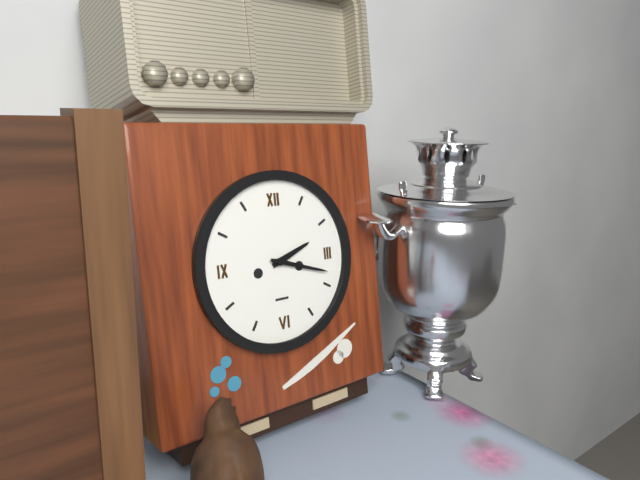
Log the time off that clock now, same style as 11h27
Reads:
2h18
